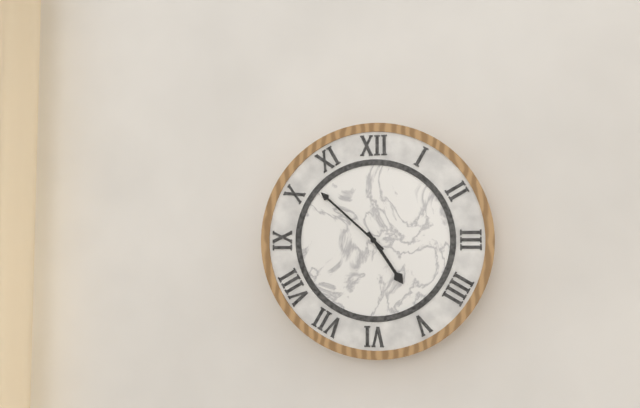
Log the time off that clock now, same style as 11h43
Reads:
4h52
